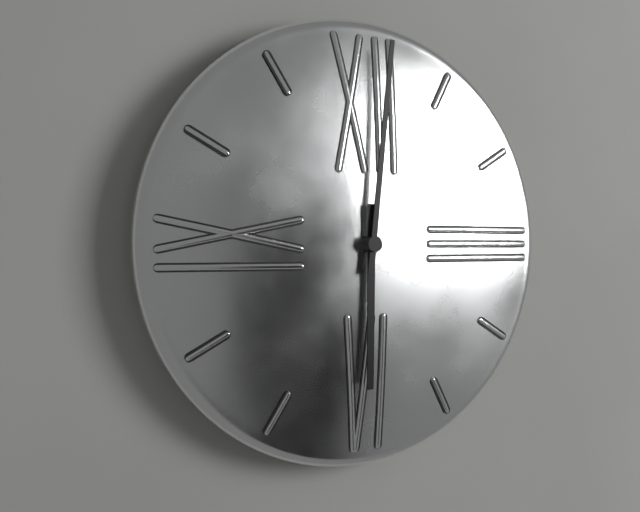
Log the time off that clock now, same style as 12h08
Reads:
6h01
